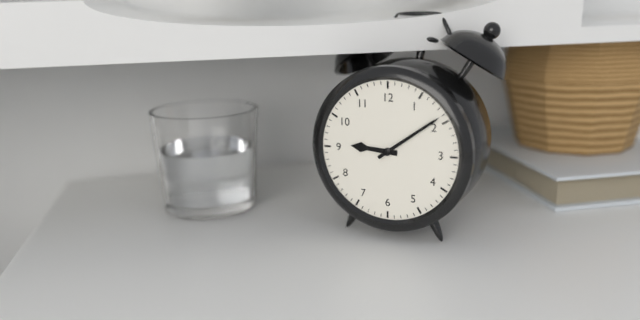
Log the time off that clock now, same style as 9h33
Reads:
9h09
